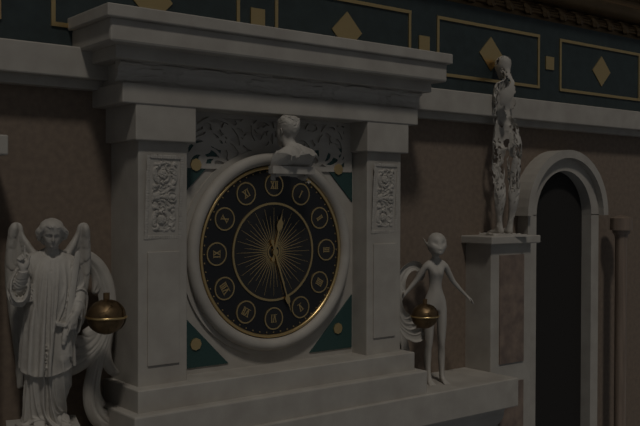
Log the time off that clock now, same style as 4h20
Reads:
12h27
